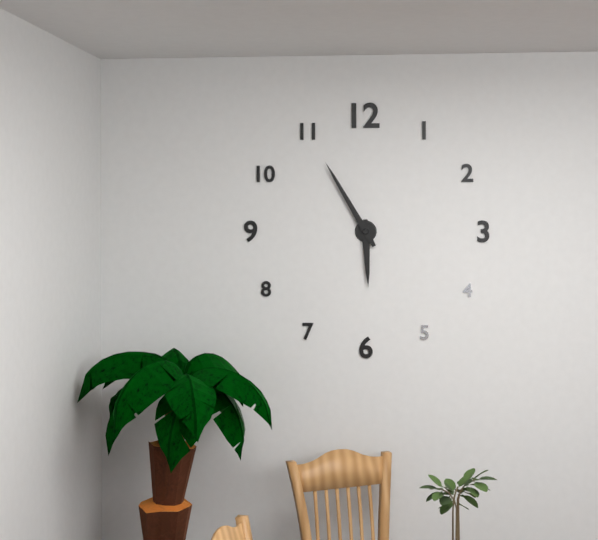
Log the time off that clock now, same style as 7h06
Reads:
5h55
